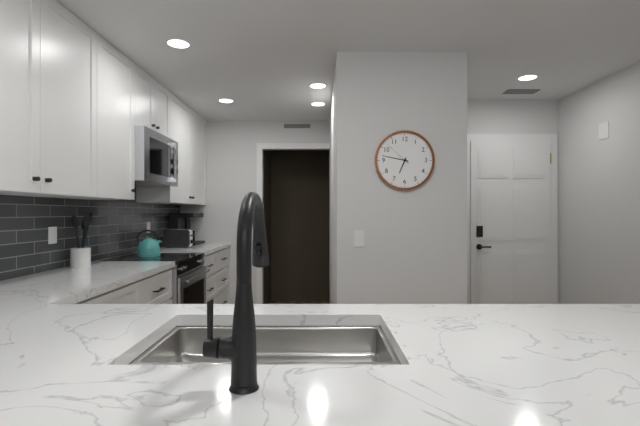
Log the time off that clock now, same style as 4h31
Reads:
6h47
